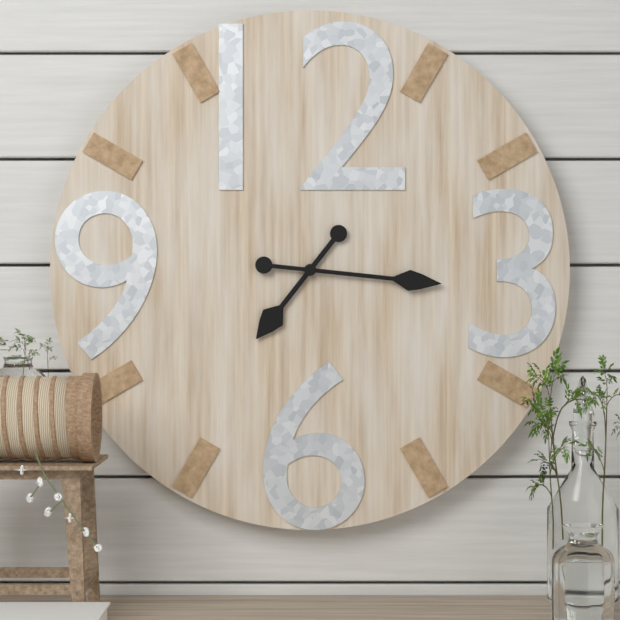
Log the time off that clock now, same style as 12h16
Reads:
7h16
